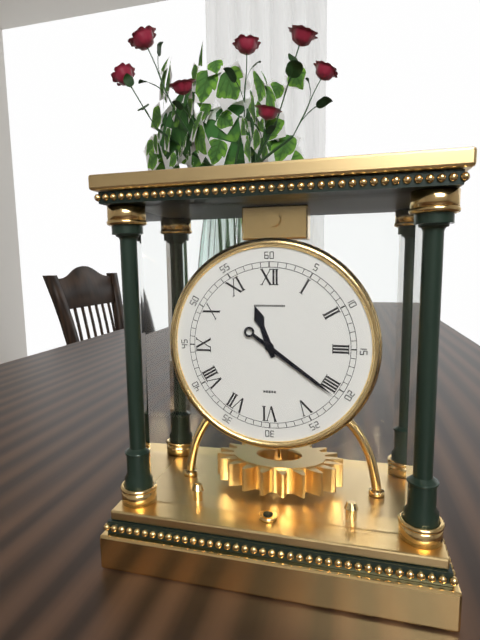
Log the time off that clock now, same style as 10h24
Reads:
11h21
